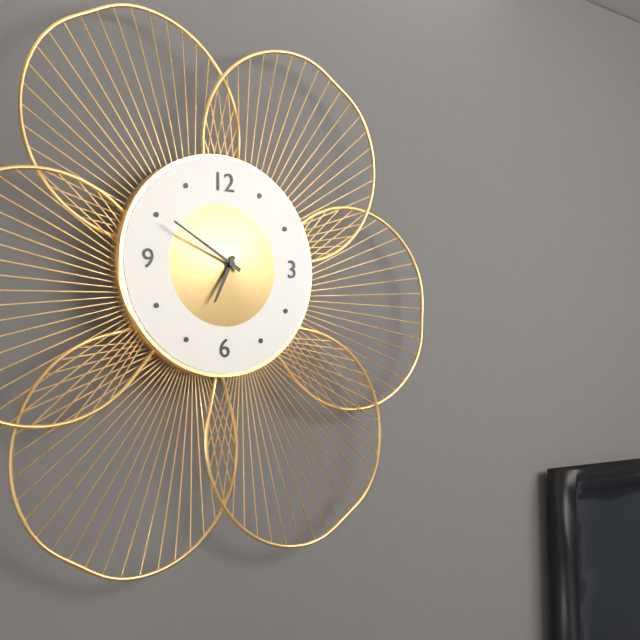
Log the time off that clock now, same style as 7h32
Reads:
6h50
